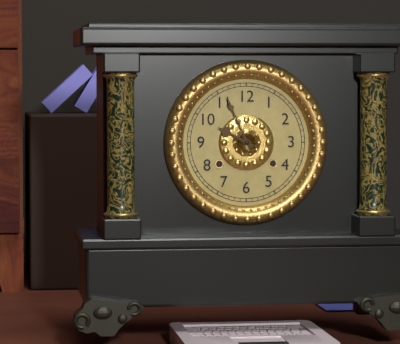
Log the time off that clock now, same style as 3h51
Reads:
9h56
